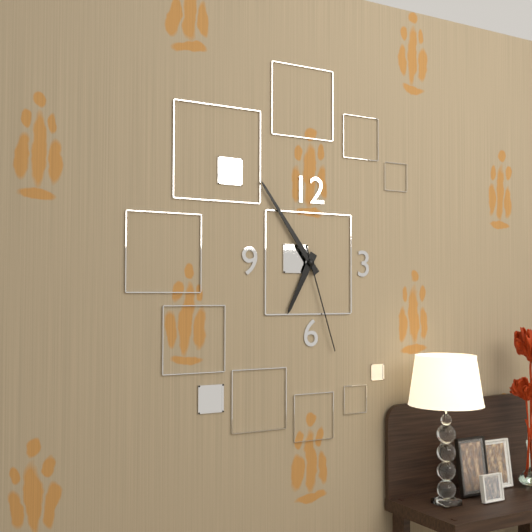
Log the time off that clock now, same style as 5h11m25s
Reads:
6h54m27s
